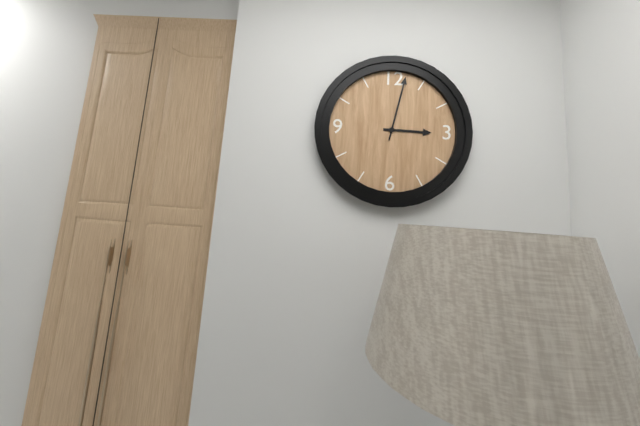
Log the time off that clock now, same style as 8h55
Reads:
3h02
